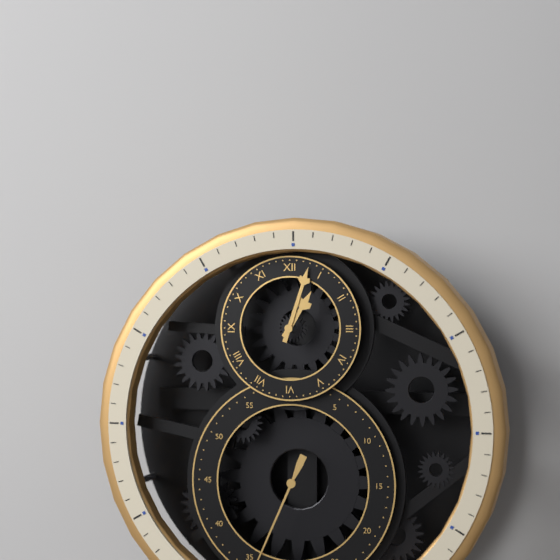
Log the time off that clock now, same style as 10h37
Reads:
1h03
